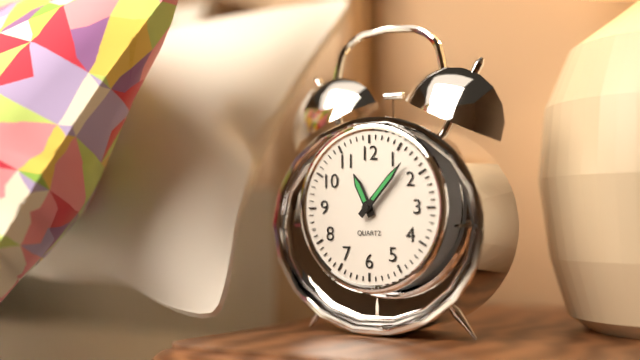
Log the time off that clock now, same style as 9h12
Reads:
11h07
